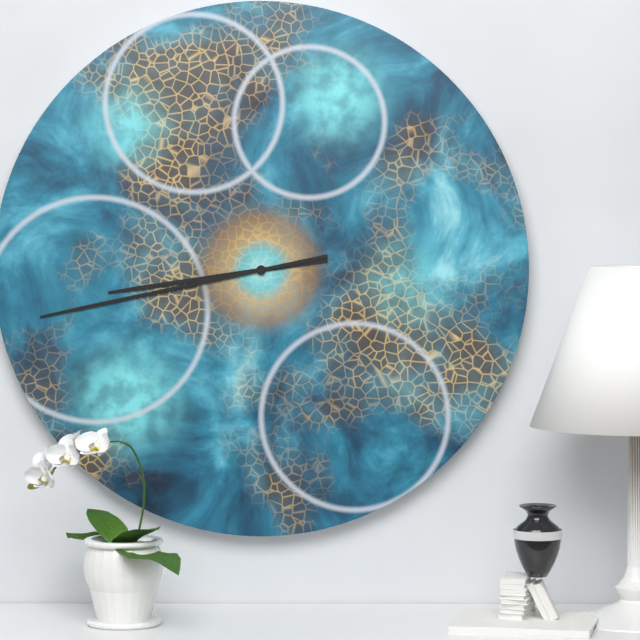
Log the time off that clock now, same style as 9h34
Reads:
8h43
